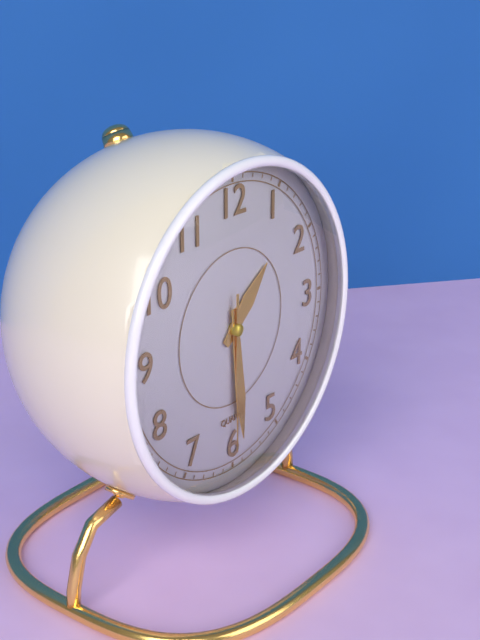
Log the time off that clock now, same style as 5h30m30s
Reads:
1h29m30s
